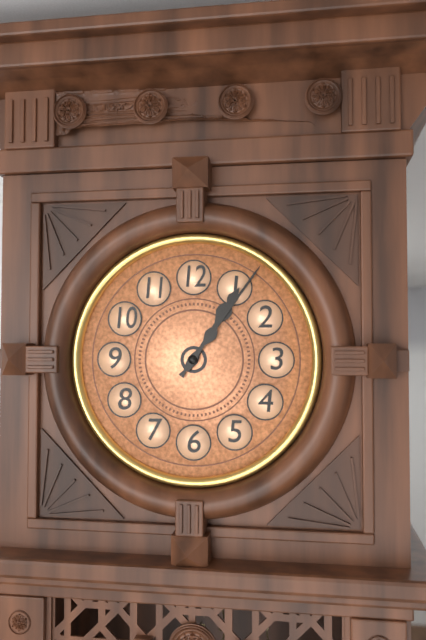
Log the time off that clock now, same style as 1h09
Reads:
1h06
